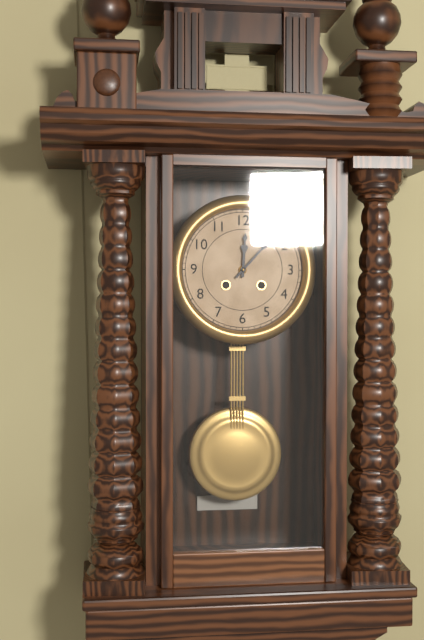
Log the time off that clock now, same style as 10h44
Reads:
12h07
